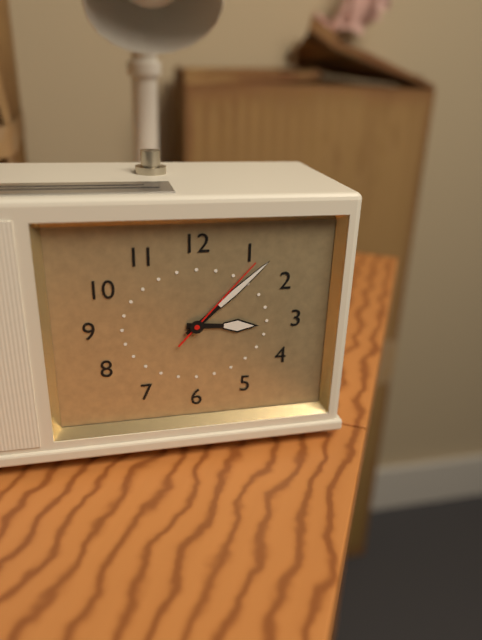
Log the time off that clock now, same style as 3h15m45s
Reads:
3h08m07s
